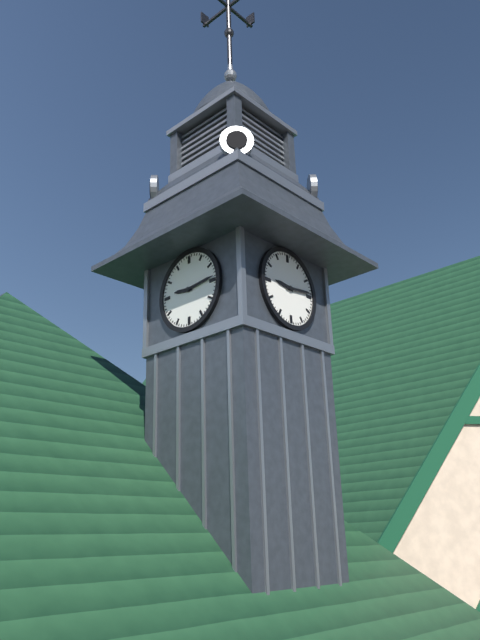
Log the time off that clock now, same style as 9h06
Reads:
9h14
